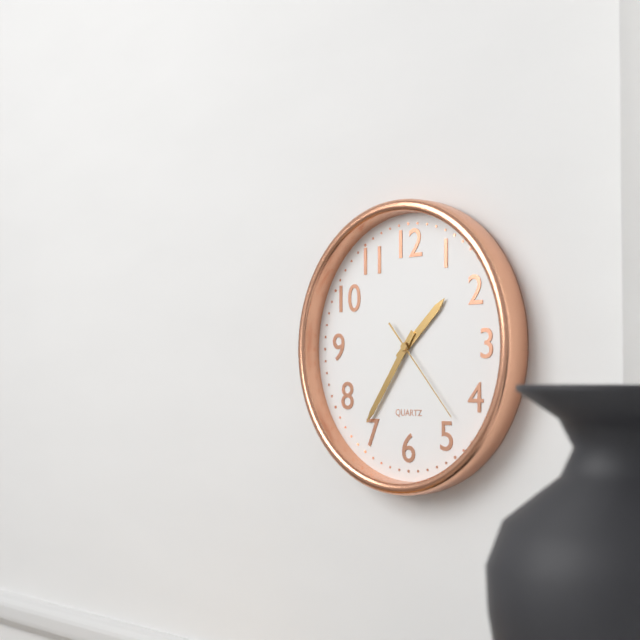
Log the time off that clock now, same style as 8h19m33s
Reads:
1h36m23s
